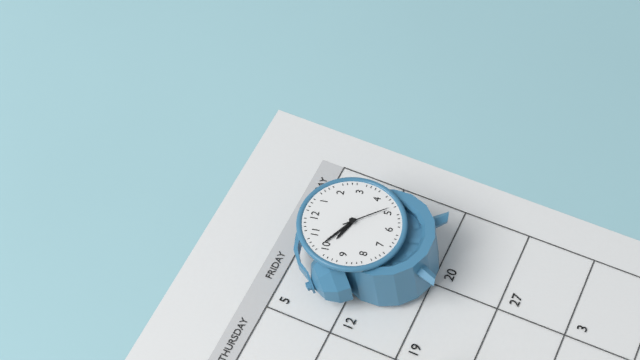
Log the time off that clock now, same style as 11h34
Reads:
9h51
